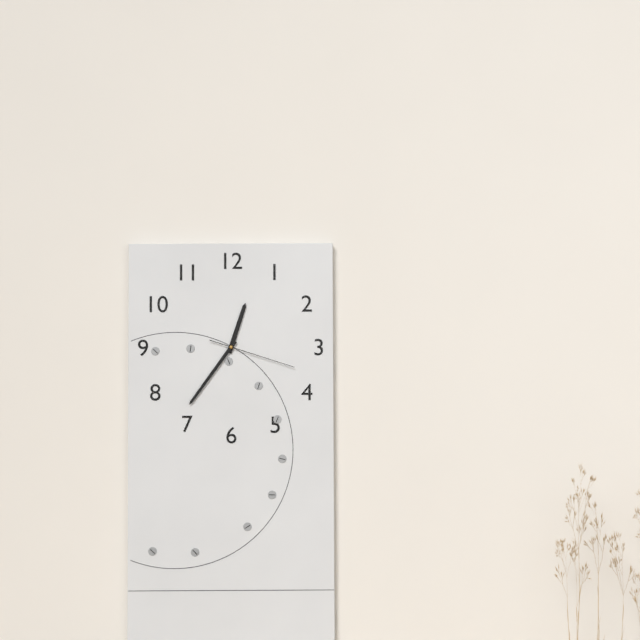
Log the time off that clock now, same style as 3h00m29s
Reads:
12h36m18s
